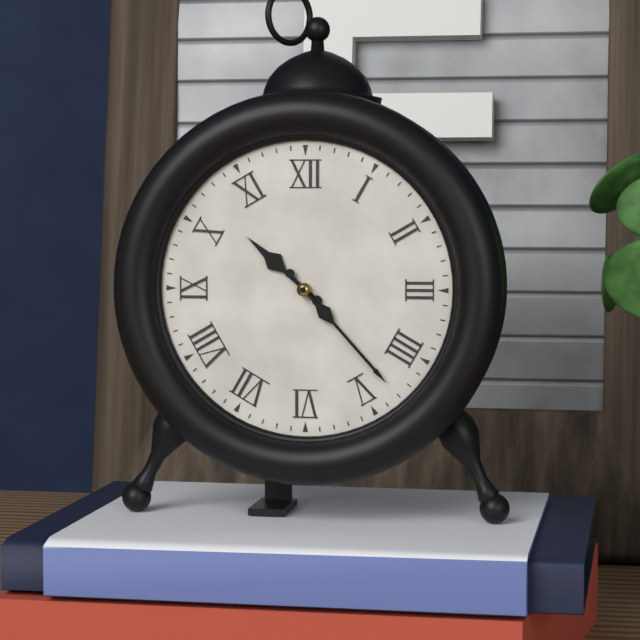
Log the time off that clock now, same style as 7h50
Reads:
10h23
